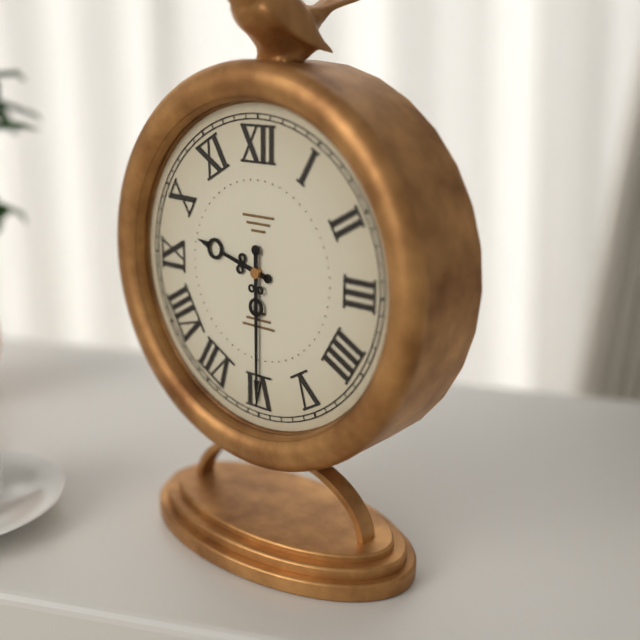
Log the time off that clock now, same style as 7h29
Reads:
9h30
